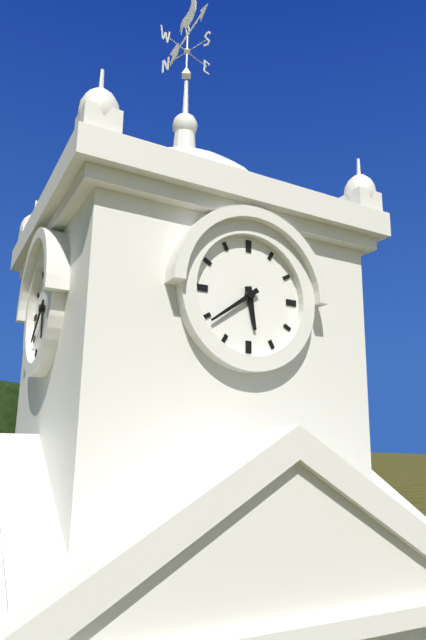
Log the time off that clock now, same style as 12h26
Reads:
5h39
